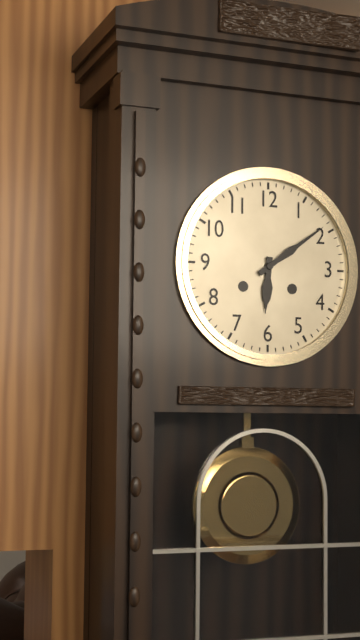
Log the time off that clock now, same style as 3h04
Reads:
6h09
